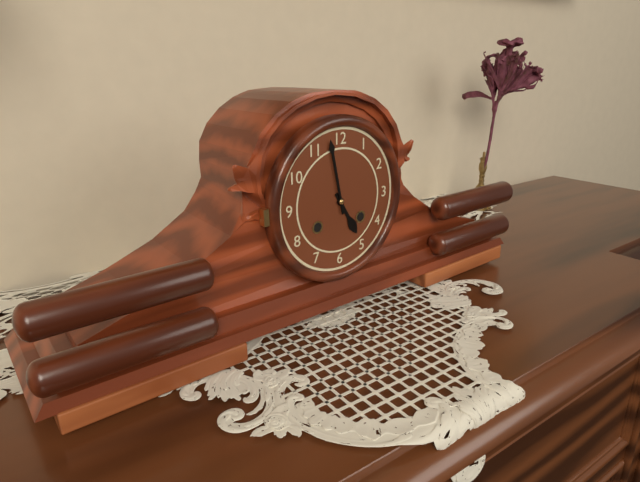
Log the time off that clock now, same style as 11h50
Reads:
4h58
